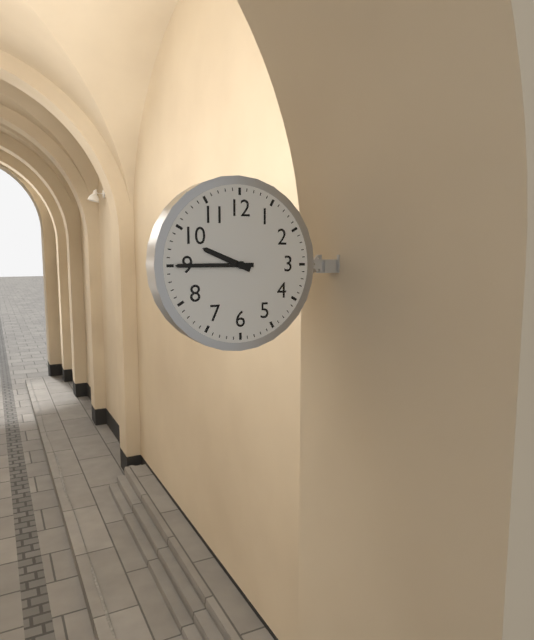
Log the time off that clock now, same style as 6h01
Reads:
9h45
